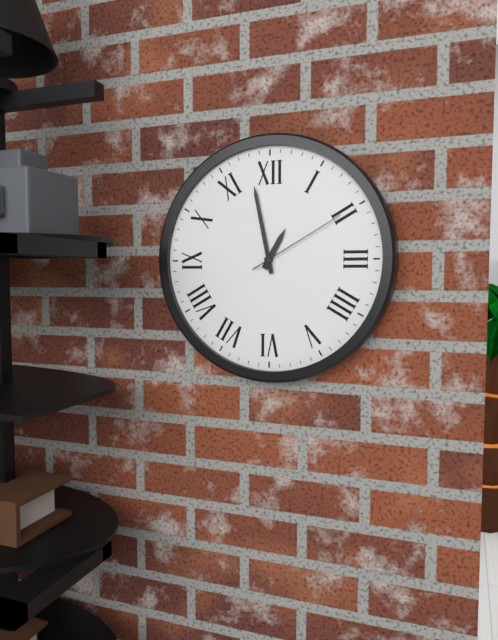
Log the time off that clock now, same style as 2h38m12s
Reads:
12h58m10s
